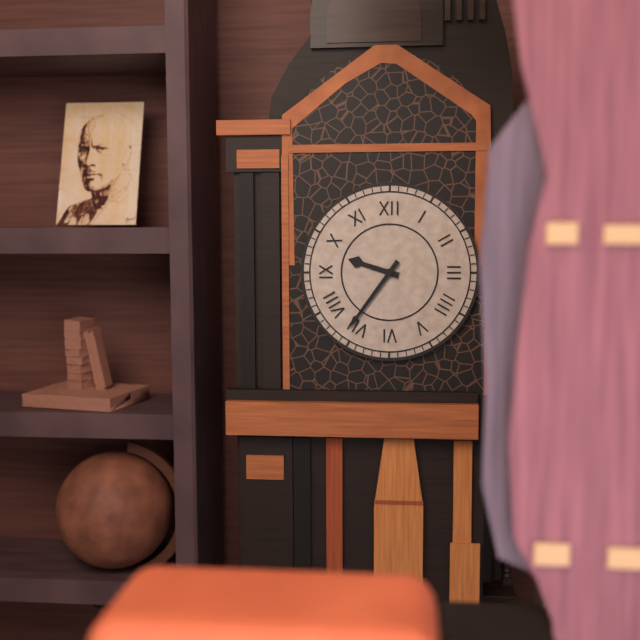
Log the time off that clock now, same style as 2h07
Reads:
9h36
